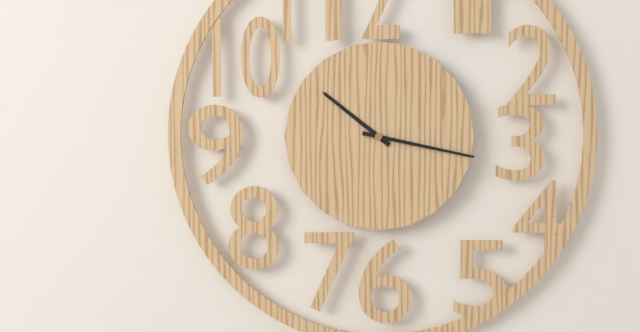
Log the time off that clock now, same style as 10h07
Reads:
10h17
